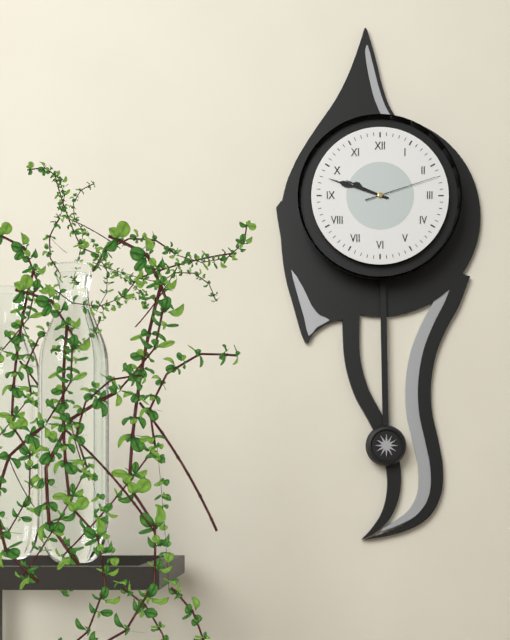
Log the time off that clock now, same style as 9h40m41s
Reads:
9h48m12s
